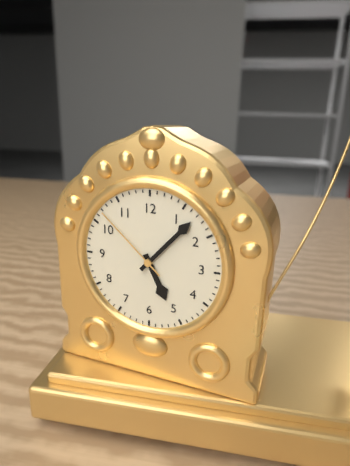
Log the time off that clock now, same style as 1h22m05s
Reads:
5h07m52s
